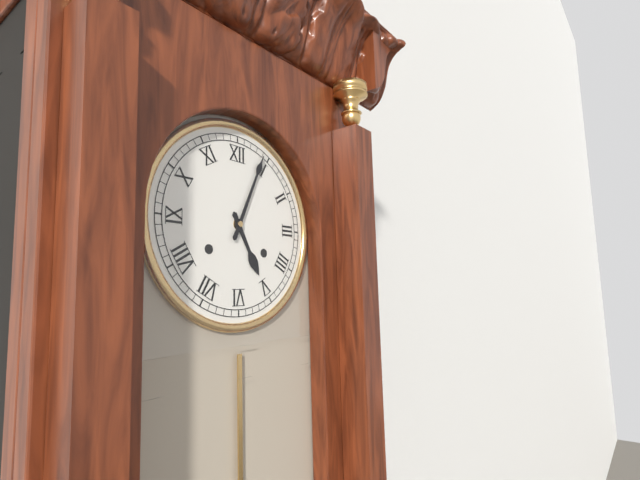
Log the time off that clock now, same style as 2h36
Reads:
5h04
